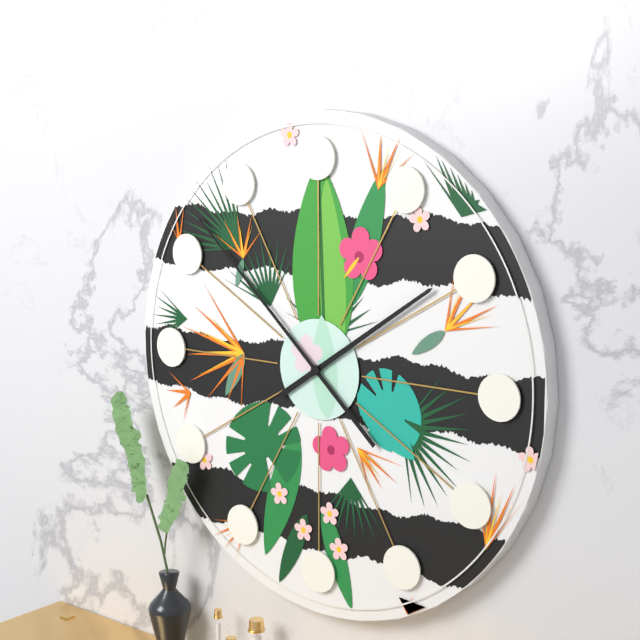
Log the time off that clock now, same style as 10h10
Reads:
1h52
